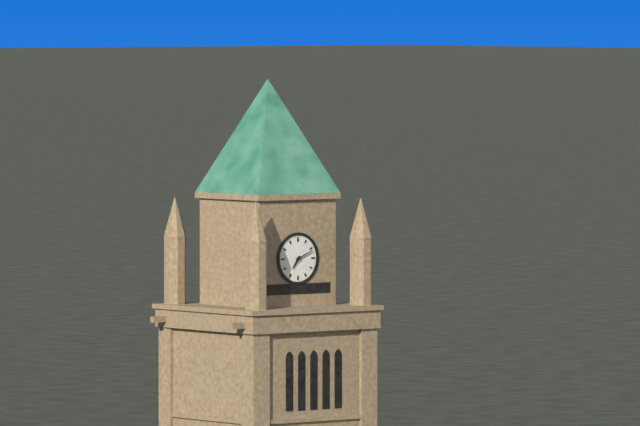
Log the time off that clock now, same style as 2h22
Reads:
7h11
